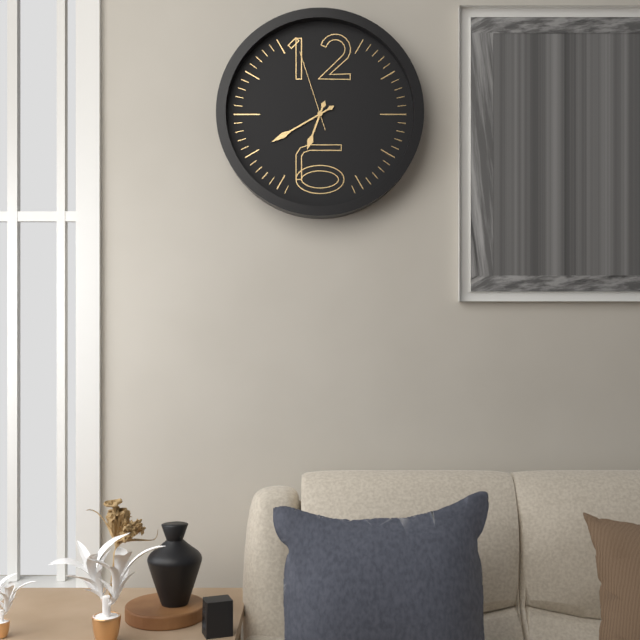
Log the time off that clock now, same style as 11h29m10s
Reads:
6h40m57s
